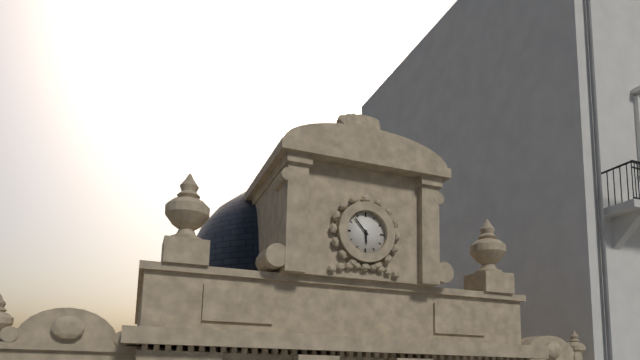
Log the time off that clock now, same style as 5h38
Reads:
5h53
